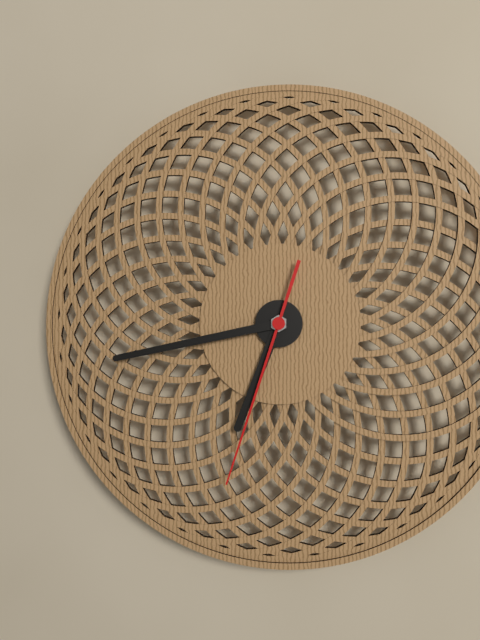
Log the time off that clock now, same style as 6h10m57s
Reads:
6h43m33s
